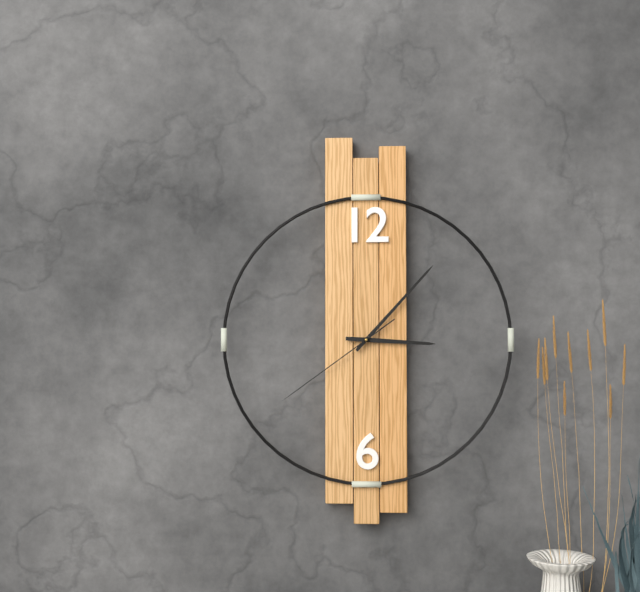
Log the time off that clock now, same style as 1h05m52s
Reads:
3h07m39s
